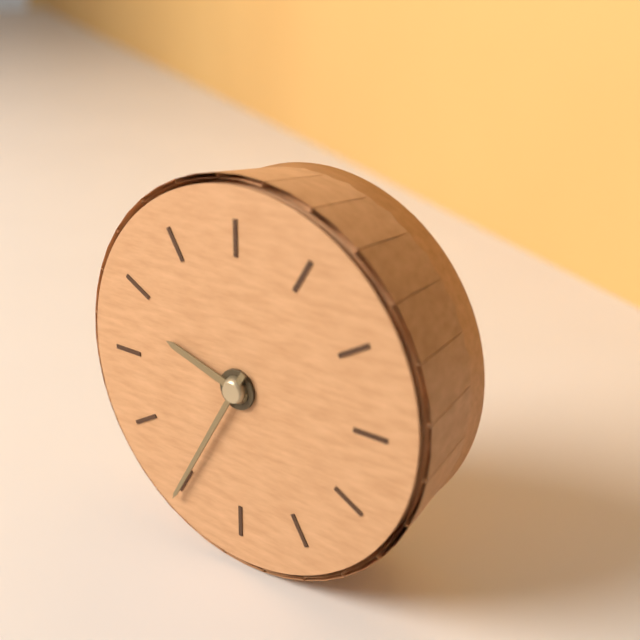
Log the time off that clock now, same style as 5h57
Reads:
9h35
